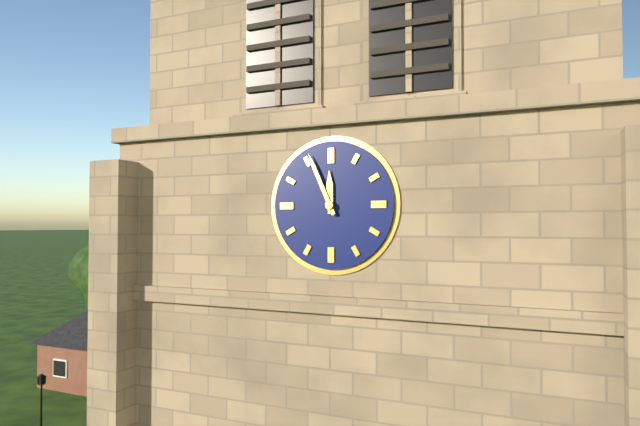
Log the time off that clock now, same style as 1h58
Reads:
11h56
